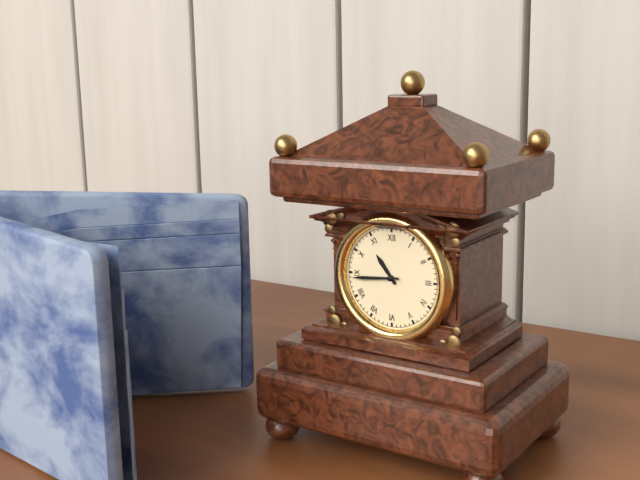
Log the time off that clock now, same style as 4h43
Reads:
10h44
